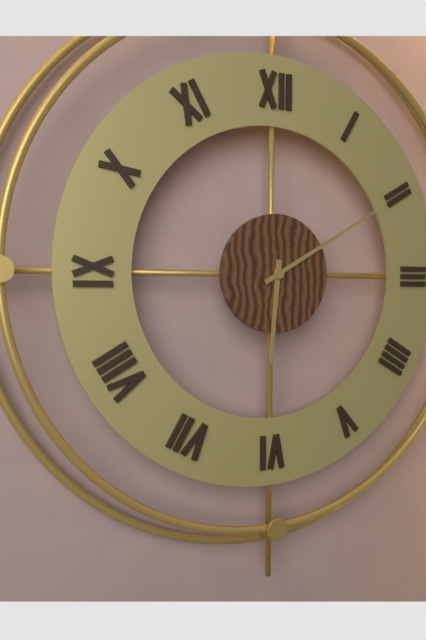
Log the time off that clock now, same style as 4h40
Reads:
6h10
